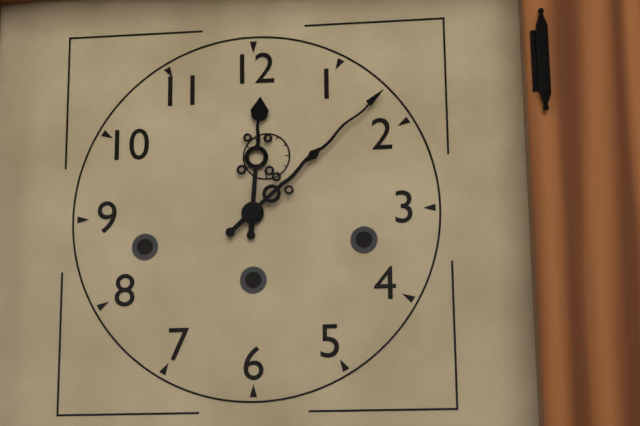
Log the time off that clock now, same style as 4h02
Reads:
12h08
